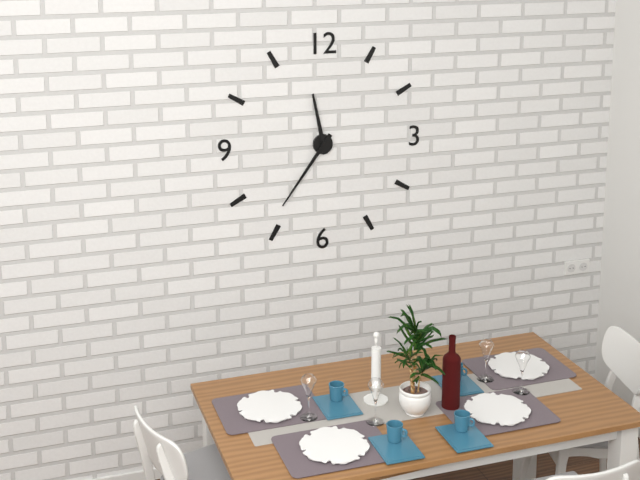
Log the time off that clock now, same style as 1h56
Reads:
11h36
